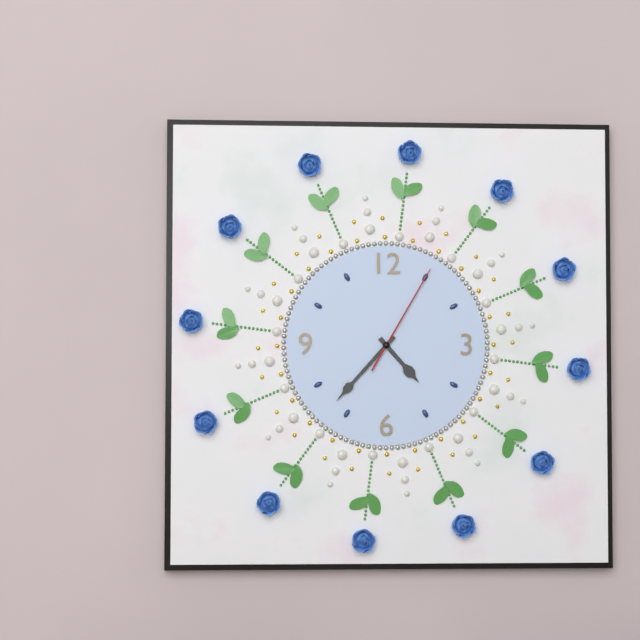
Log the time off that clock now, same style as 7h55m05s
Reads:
4h37m05s
